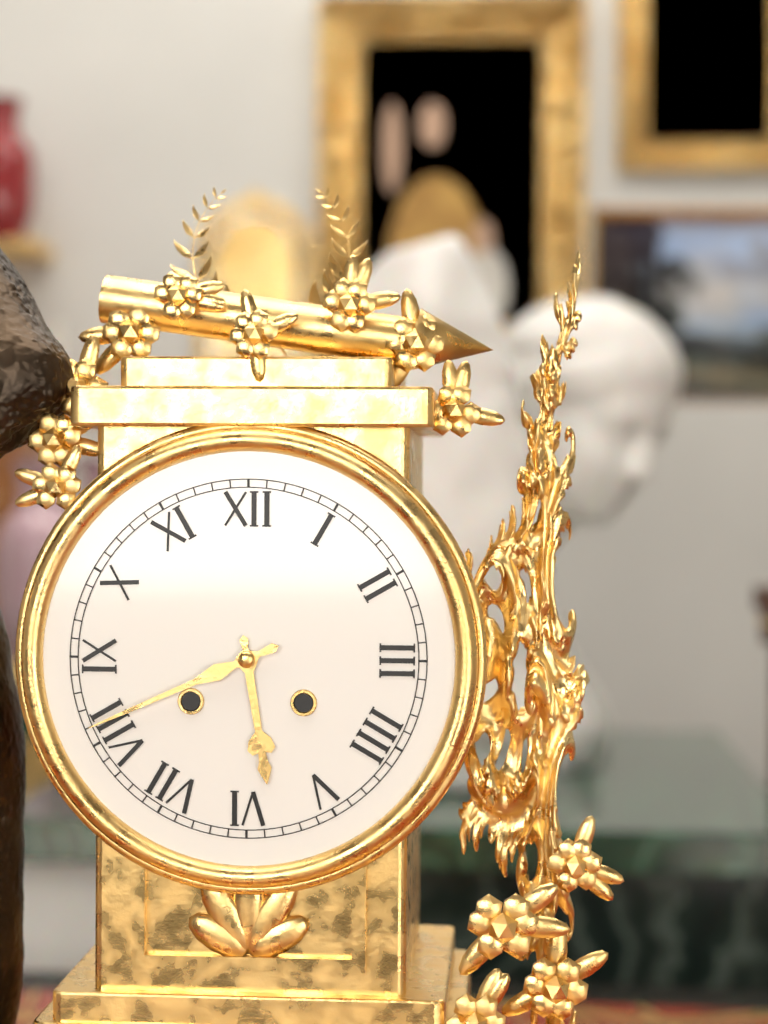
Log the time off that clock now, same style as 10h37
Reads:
5h41
